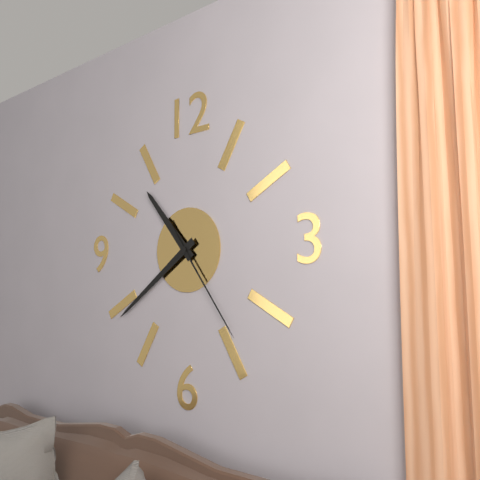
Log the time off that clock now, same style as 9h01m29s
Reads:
10h39m24s
